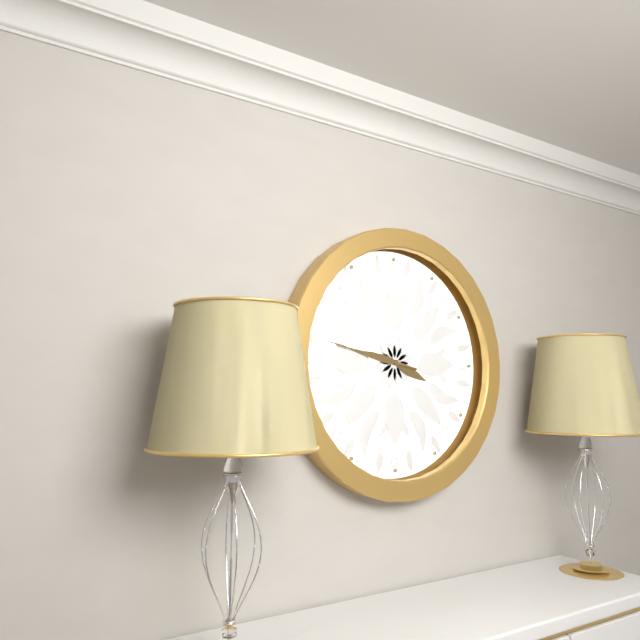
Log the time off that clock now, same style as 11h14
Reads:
3h47
